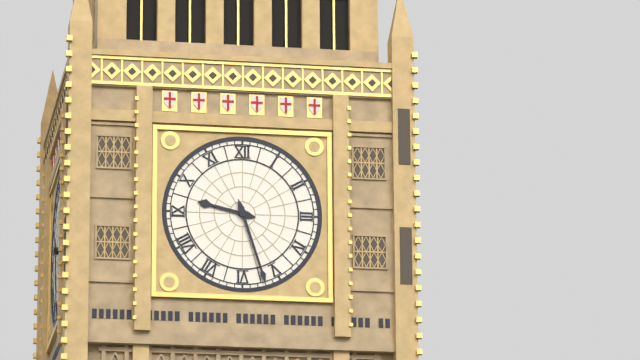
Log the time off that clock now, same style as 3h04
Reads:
9h27
